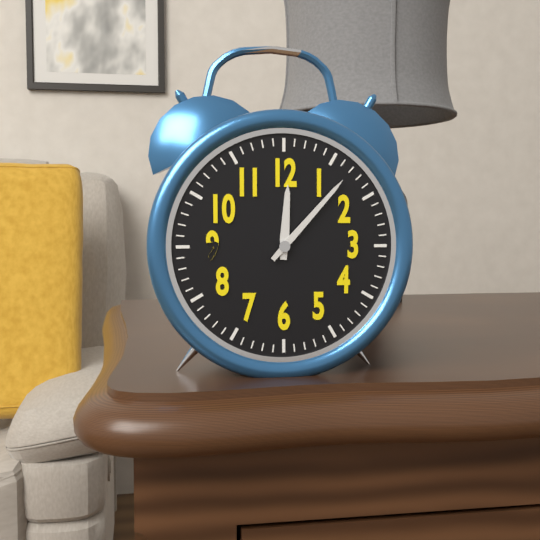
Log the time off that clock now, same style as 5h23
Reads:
12h07
